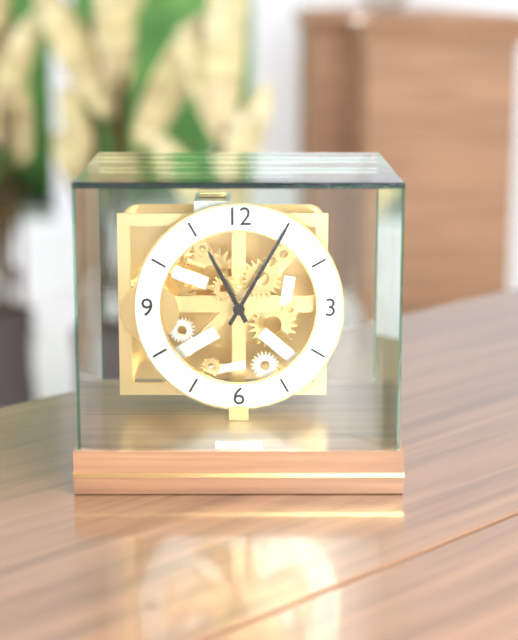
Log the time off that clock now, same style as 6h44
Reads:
11h05
